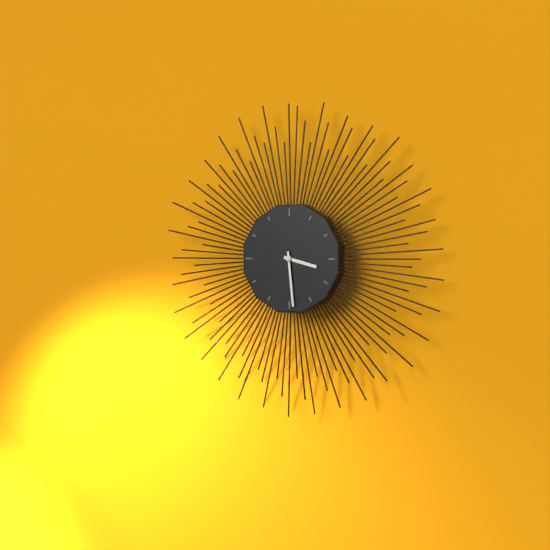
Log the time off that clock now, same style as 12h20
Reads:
3h29
